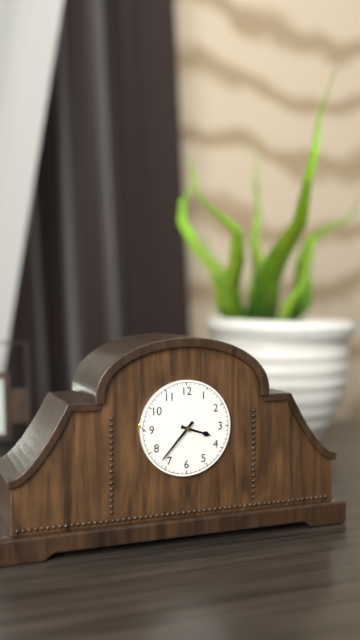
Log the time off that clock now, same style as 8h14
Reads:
3h37
